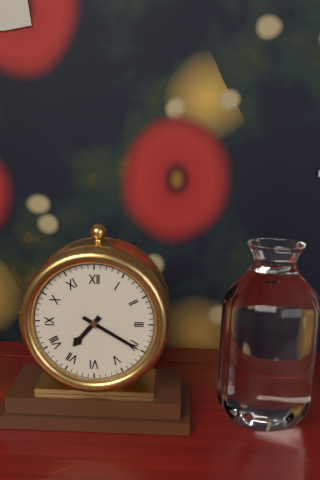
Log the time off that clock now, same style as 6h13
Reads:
7h20
